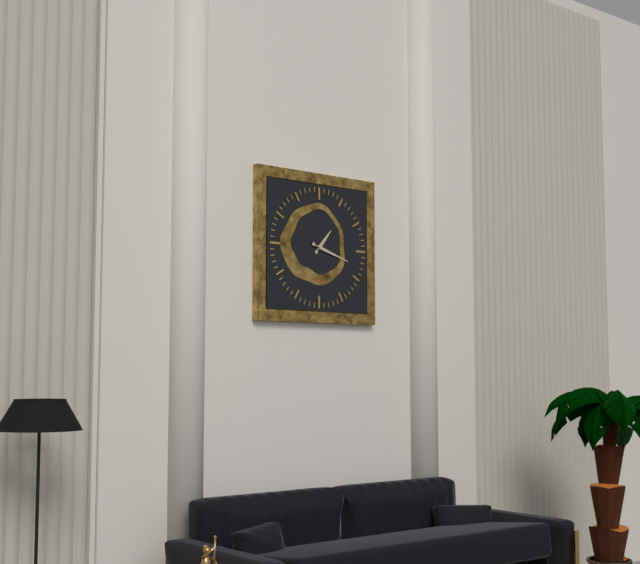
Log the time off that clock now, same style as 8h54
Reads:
1h18
